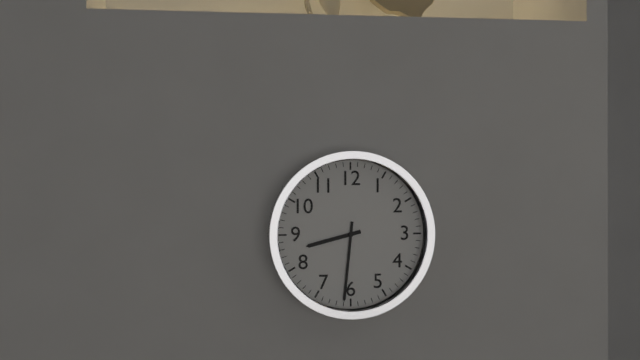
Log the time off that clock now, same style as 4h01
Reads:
8h31
